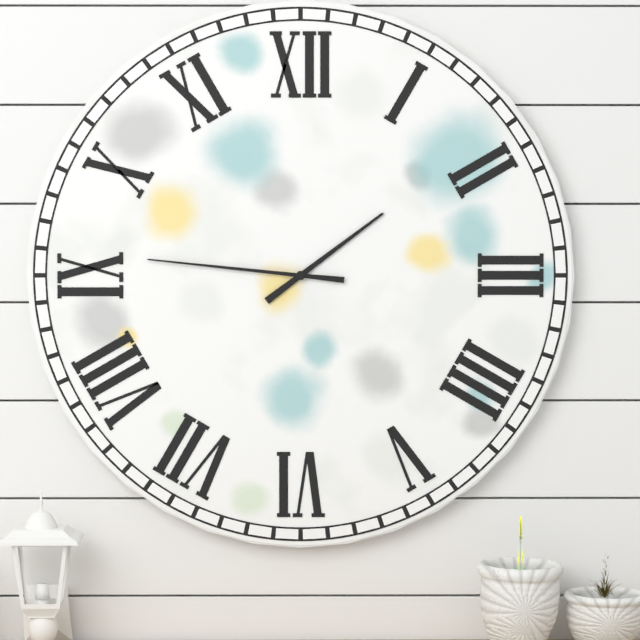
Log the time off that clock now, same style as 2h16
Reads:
1h46
